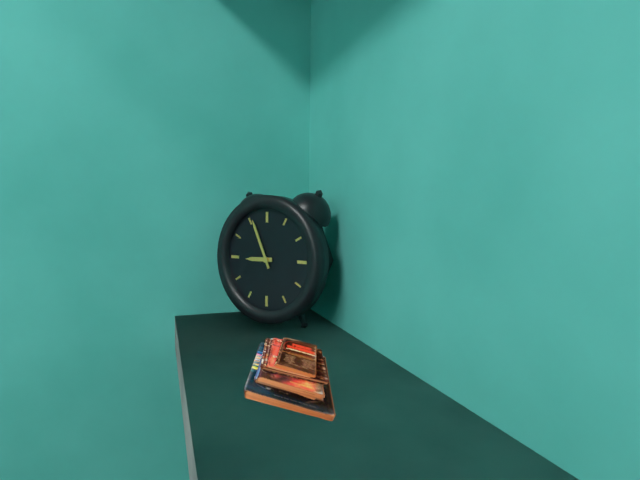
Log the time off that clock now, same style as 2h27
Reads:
8h56
